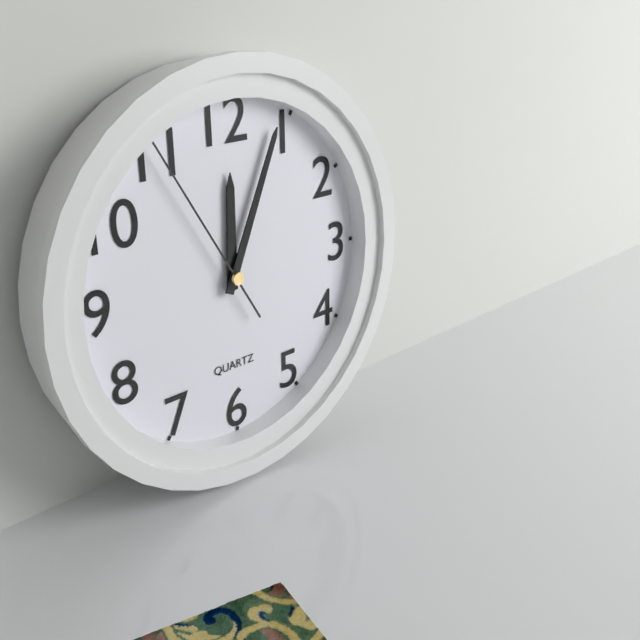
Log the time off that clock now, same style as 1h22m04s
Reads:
12h04m55s
